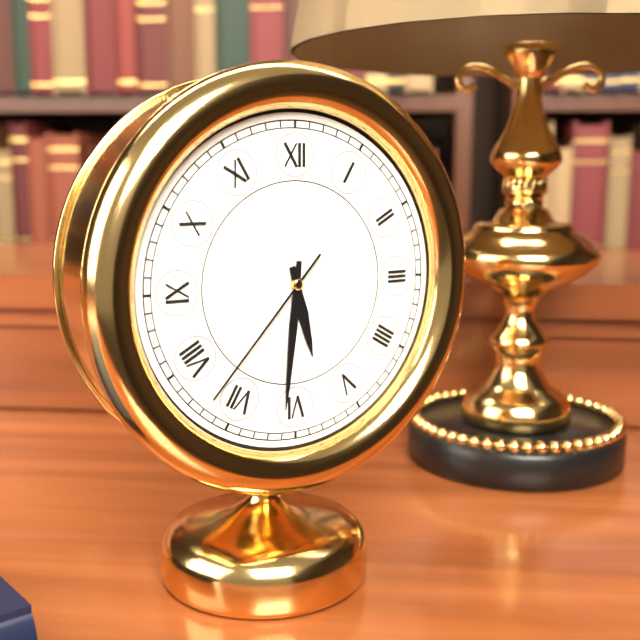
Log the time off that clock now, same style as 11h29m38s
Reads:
5h31m37s
